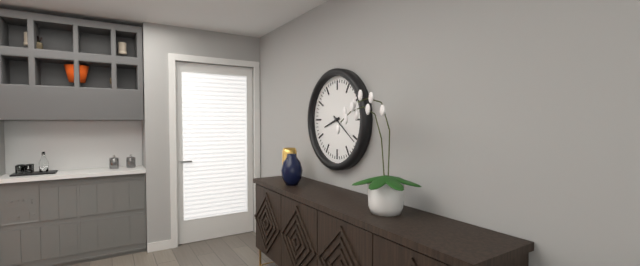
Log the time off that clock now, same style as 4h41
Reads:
8h21
